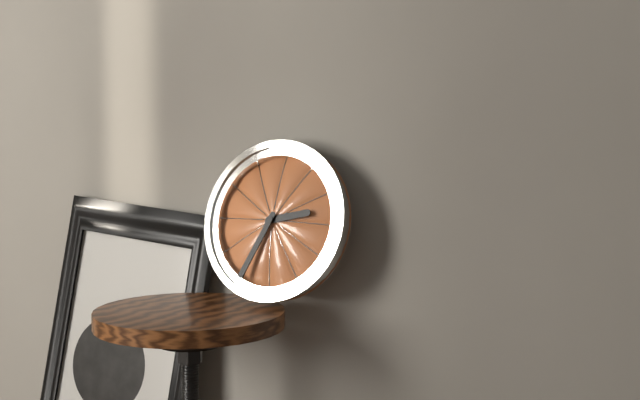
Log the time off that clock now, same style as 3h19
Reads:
2h34
